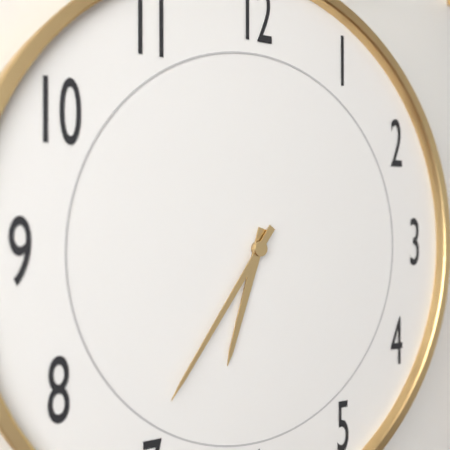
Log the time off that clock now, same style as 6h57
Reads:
6h36
